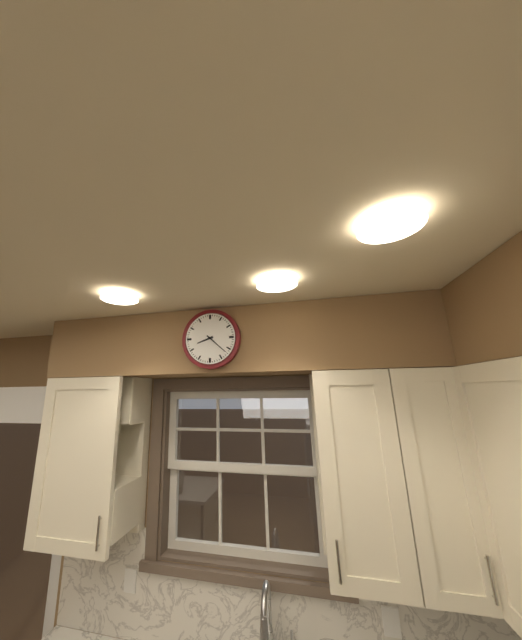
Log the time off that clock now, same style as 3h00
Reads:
8h22
